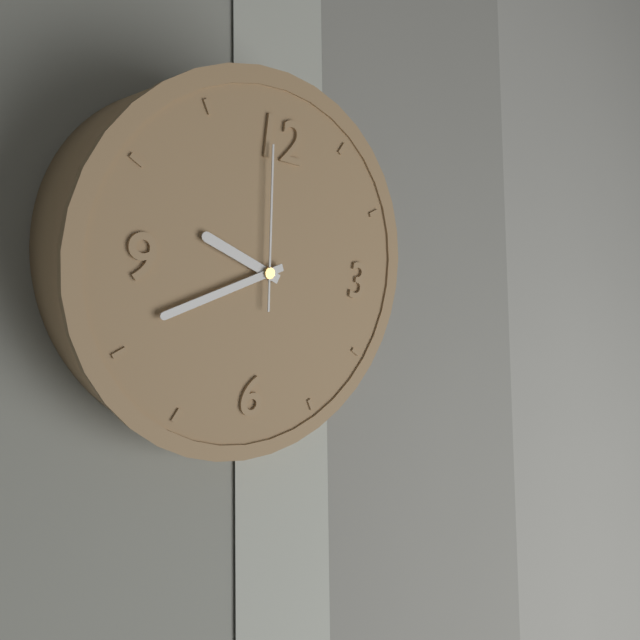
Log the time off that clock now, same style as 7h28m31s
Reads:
9h41m59s
